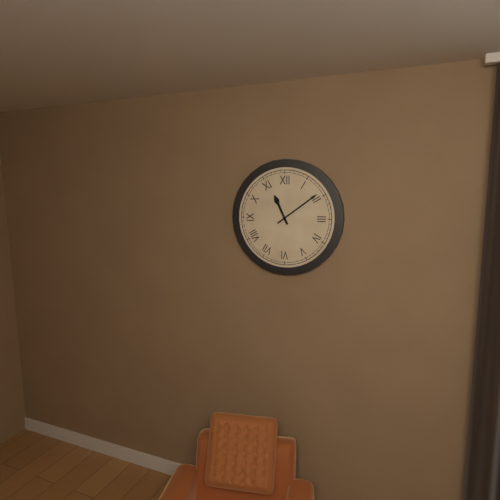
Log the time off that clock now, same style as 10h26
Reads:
11h09
